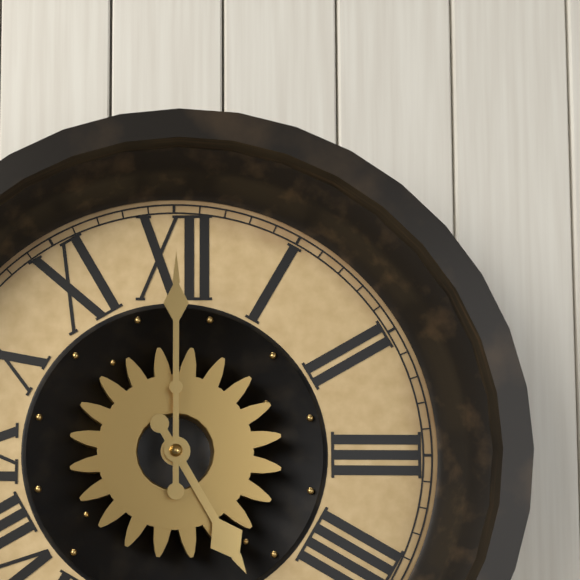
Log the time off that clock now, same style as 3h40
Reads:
5h00
